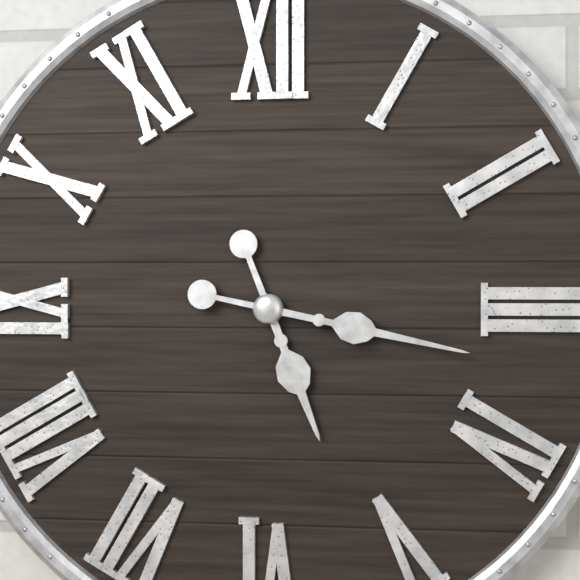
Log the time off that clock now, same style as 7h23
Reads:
5h17
